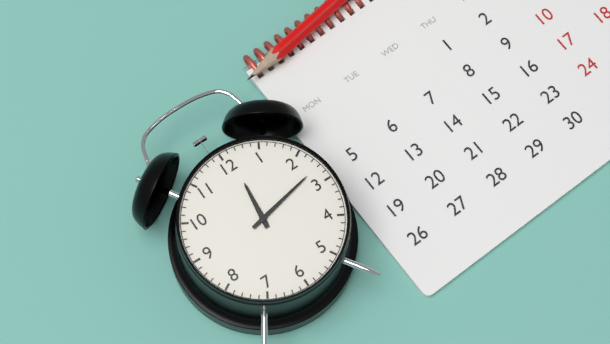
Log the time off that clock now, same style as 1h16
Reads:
12h13
